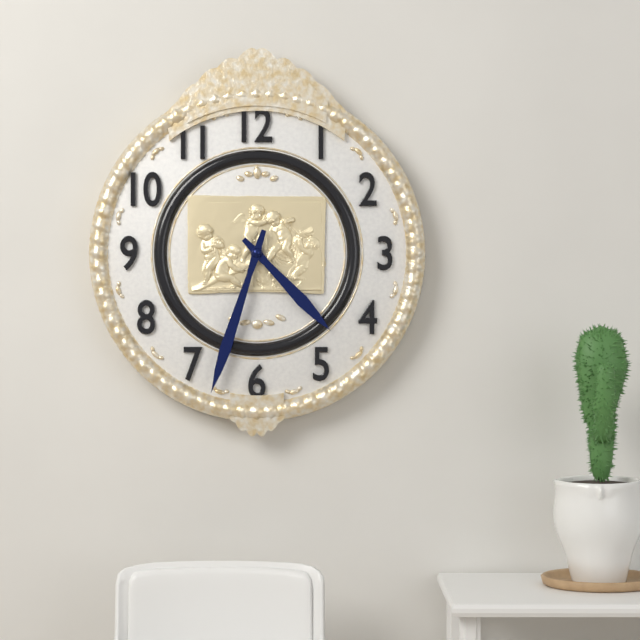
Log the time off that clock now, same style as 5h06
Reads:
4h33
